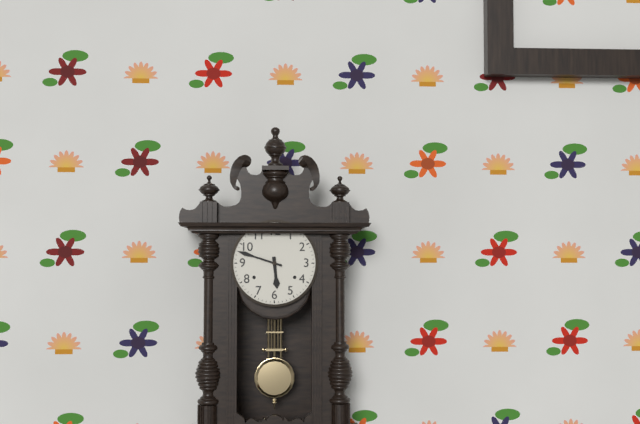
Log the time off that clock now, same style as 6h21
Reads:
5h48
